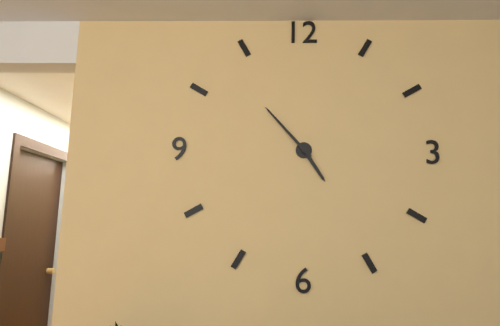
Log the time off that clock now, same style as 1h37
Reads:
4h53
